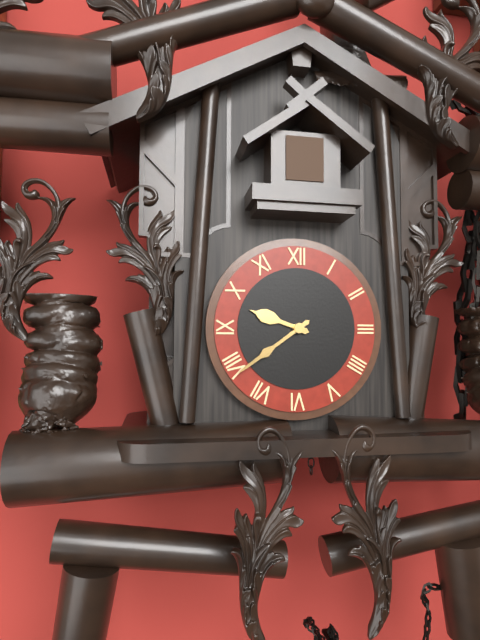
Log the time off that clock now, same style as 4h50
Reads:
9h39
